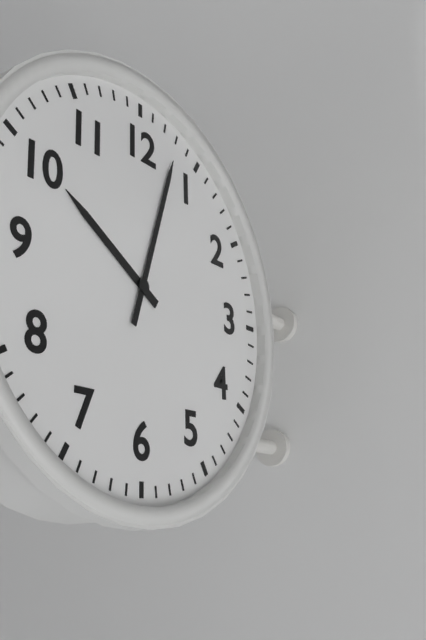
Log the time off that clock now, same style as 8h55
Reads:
10h03
